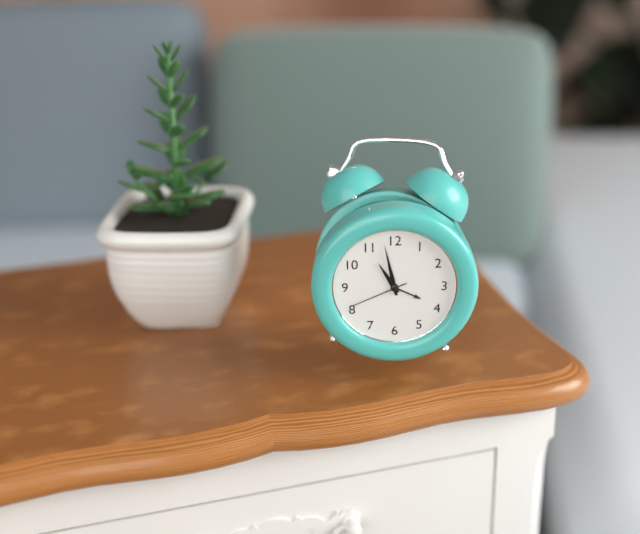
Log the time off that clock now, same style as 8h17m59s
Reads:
10h58m41s
